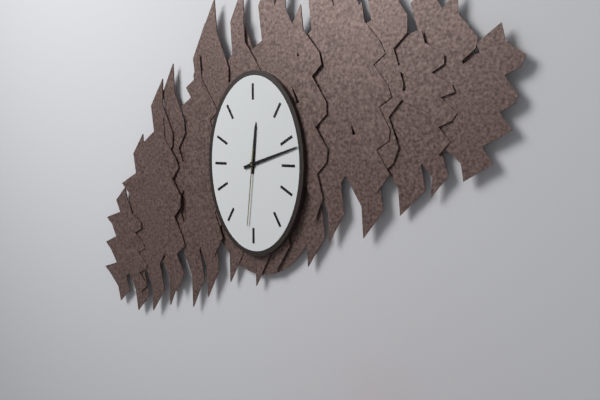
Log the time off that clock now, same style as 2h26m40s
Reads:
12h12m31s
